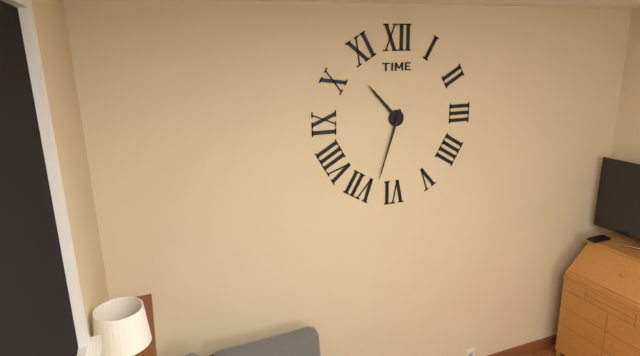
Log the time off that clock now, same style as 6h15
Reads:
10h33
